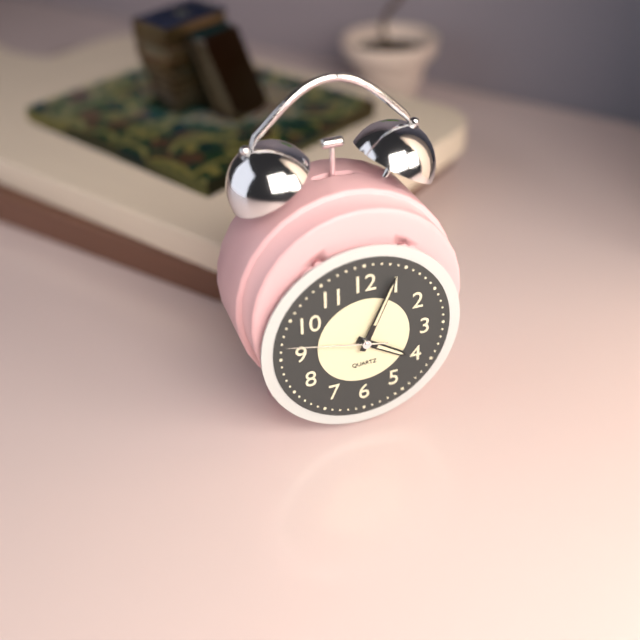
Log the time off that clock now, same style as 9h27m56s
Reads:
4h04m47s
